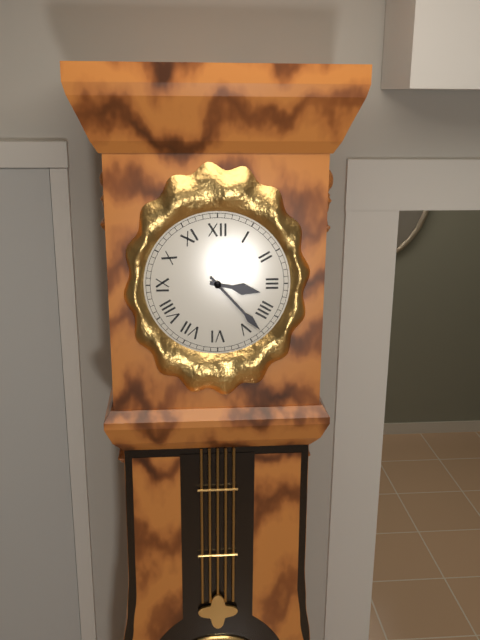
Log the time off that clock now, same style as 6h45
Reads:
3h23
